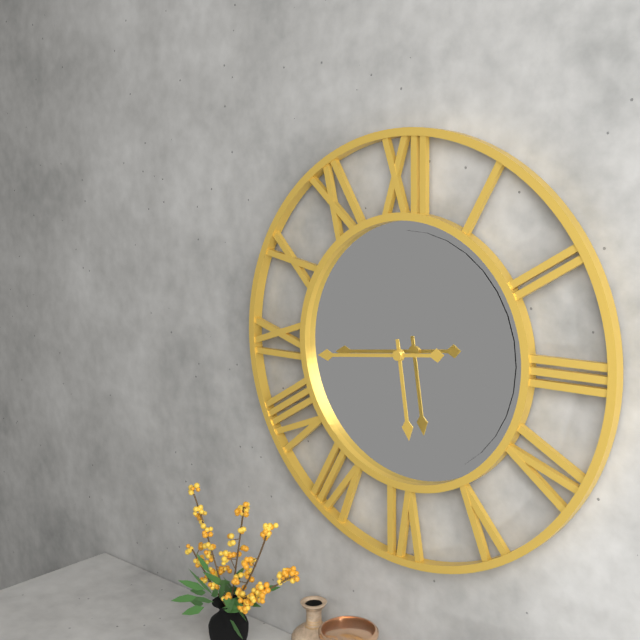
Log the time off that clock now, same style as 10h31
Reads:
5h44
